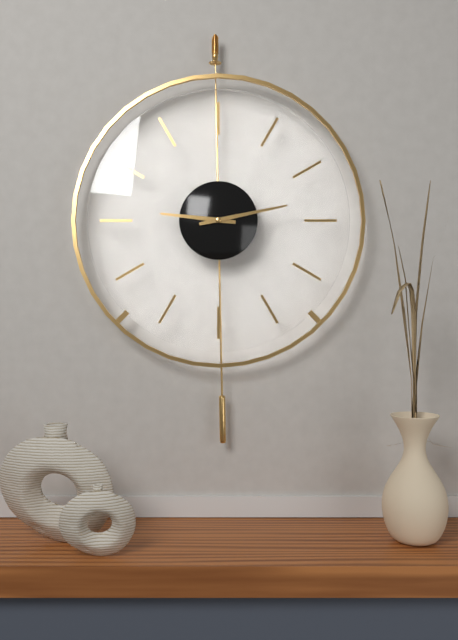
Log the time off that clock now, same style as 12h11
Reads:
9h13
